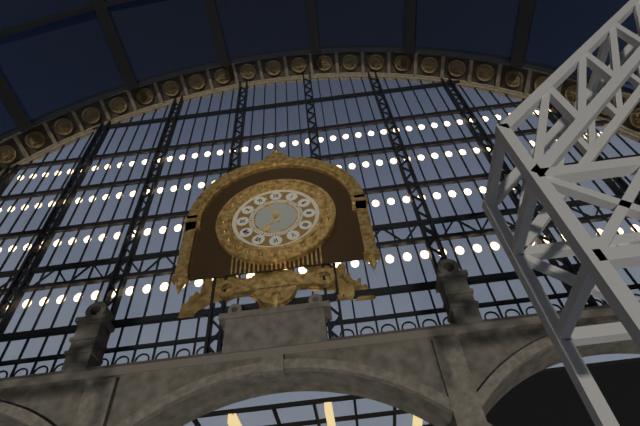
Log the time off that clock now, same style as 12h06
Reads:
6h57
